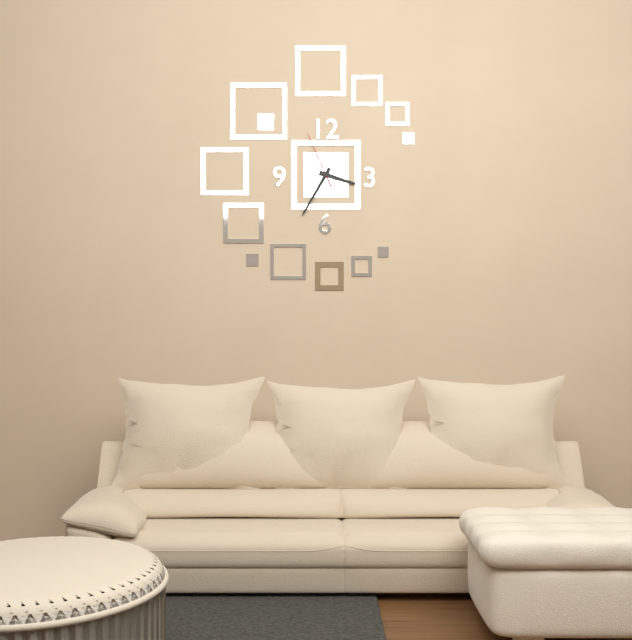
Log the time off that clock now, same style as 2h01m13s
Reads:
3h35m56s
